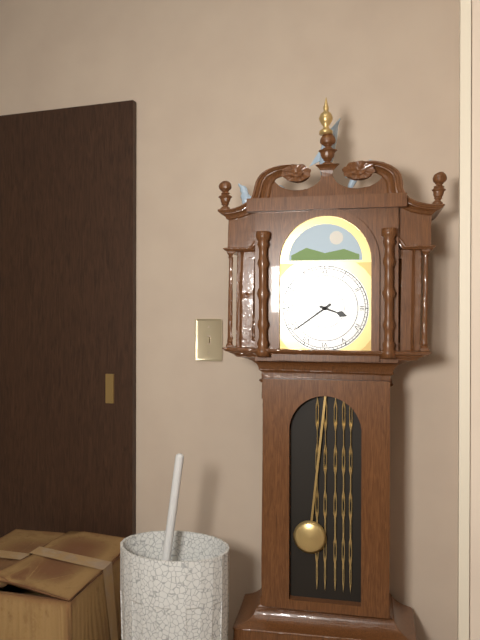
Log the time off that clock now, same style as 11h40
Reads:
3h39
